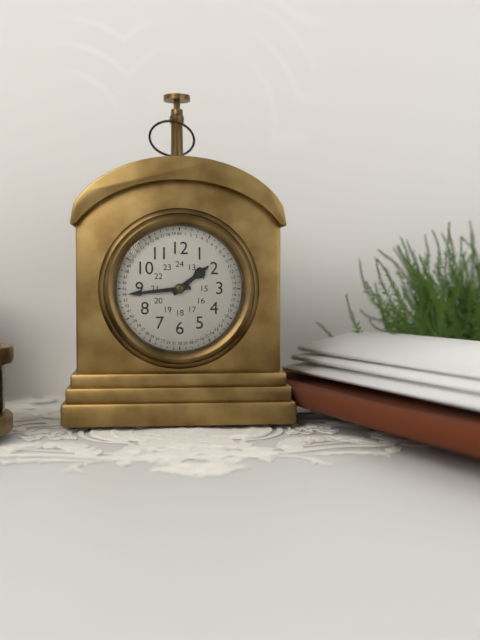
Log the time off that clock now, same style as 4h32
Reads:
1h44
